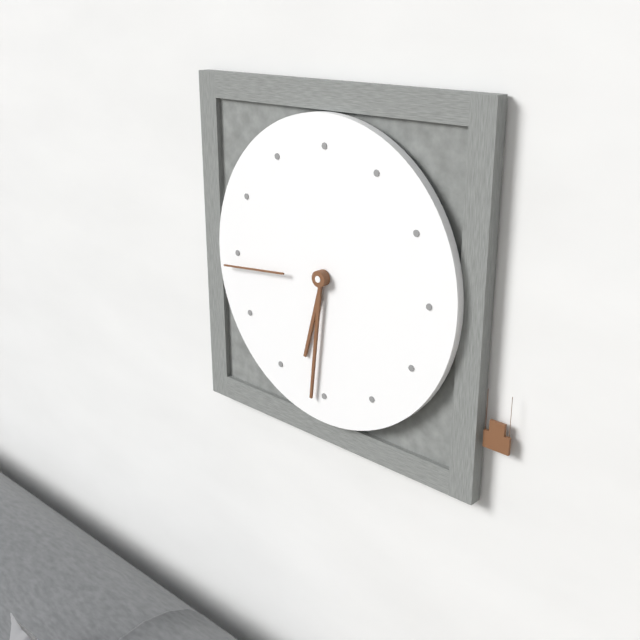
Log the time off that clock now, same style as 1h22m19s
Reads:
6h31m44s
